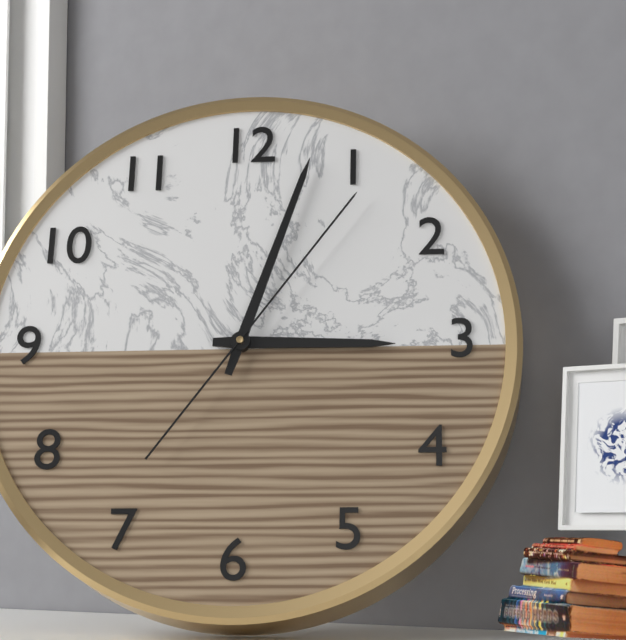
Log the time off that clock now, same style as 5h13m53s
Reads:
3h03m06s
